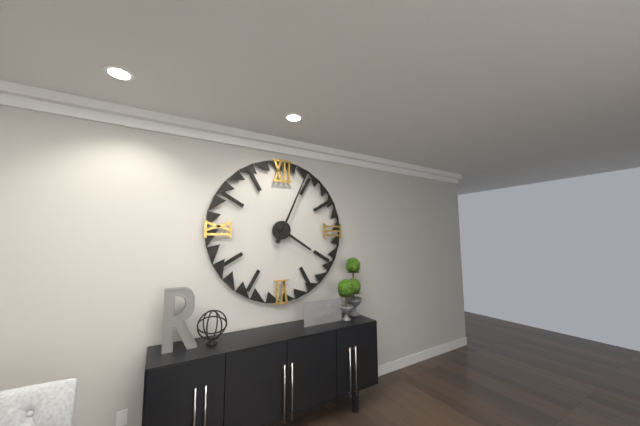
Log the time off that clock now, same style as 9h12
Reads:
4h04
